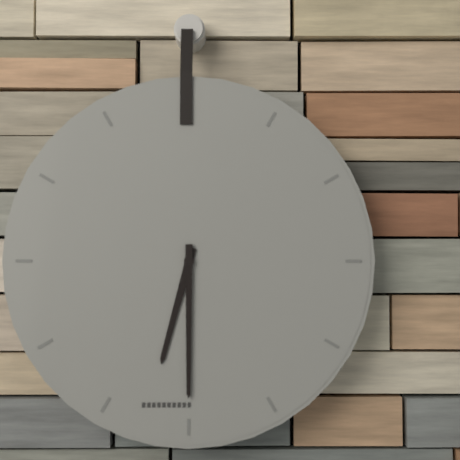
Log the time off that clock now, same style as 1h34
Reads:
6h30
